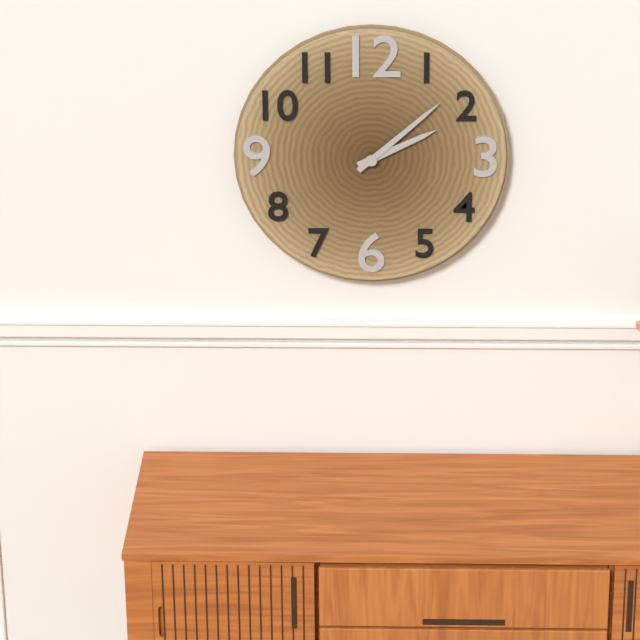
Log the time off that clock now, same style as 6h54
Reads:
2h08
